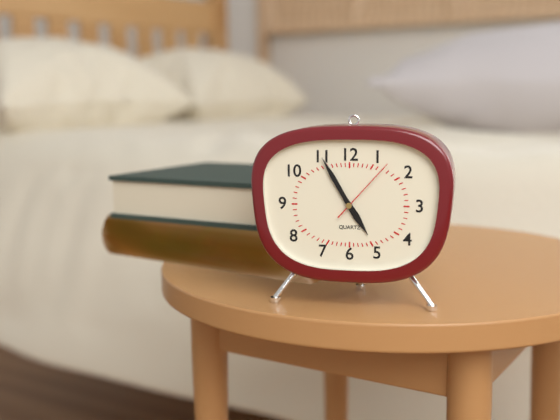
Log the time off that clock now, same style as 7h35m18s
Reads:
4h55m07s
